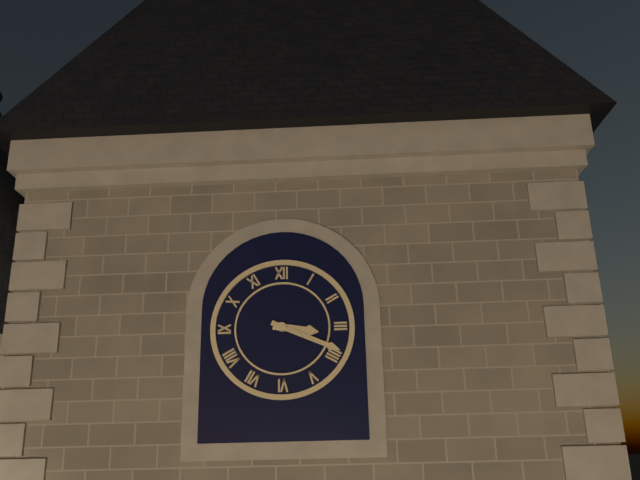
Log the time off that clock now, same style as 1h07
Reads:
3h19
